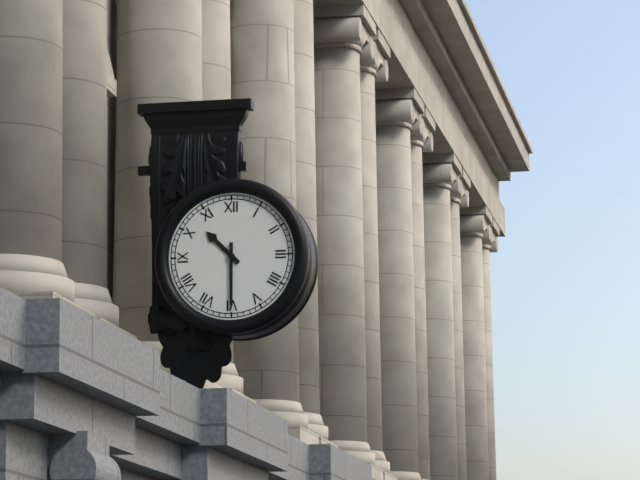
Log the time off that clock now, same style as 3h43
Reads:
10h30
